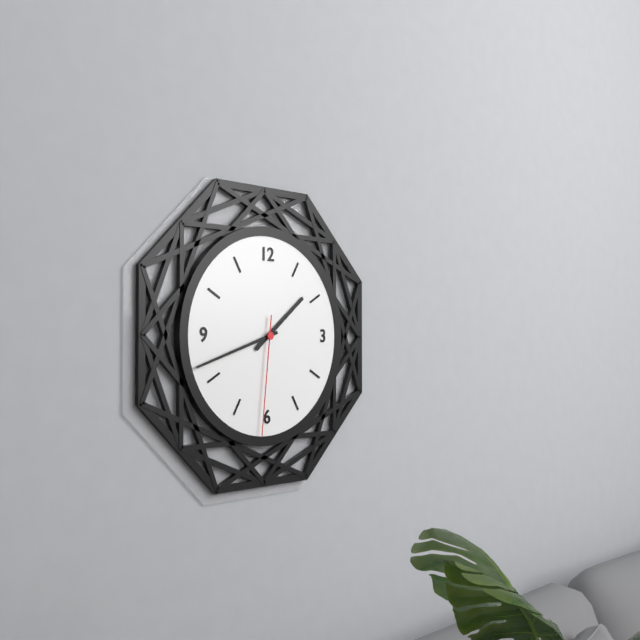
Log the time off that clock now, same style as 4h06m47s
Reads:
1h42m31s
